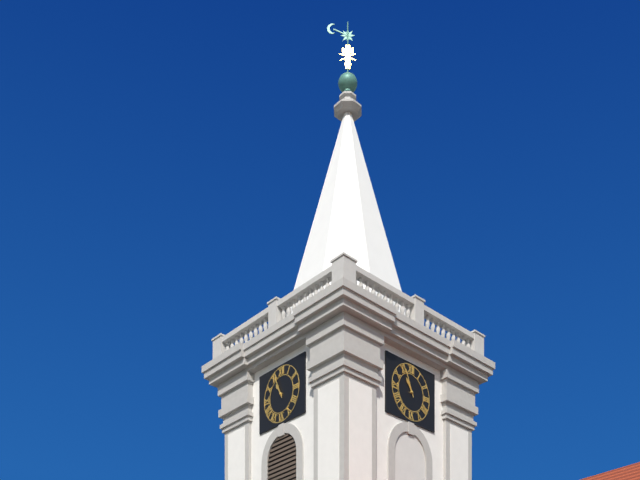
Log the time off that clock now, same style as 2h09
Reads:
10h56
